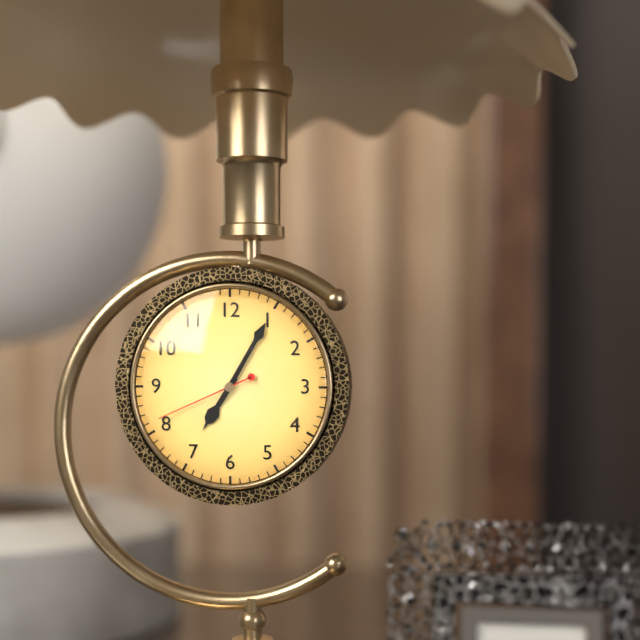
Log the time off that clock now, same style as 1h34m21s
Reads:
7h05m41s
